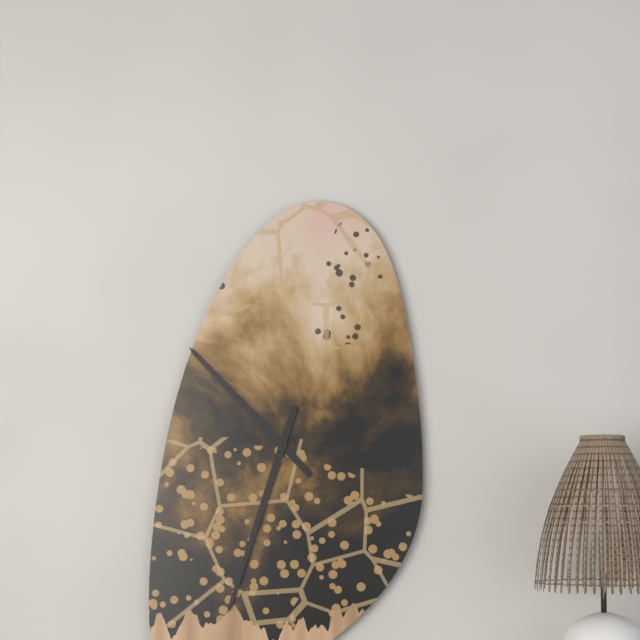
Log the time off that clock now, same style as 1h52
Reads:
10h33
